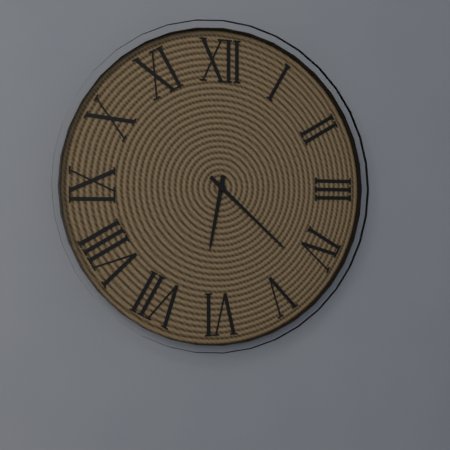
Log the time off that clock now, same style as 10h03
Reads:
6h22
